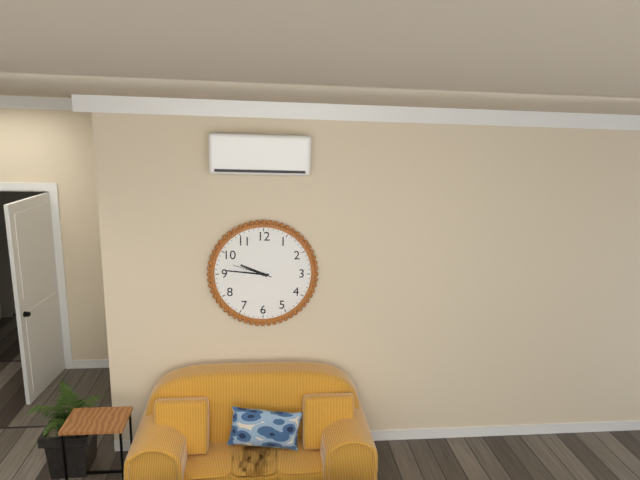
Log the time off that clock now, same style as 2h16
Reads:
9h46
